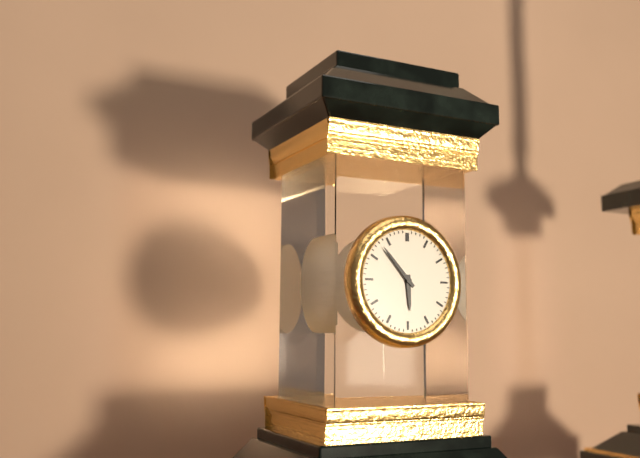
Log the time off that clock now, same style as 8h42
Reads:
5h53
